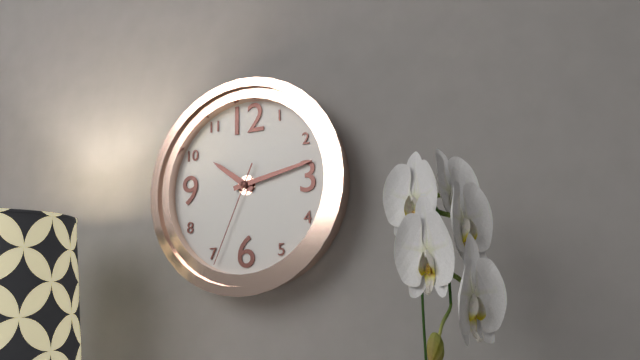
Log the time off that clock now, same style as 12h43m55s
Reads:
10h13m34s
